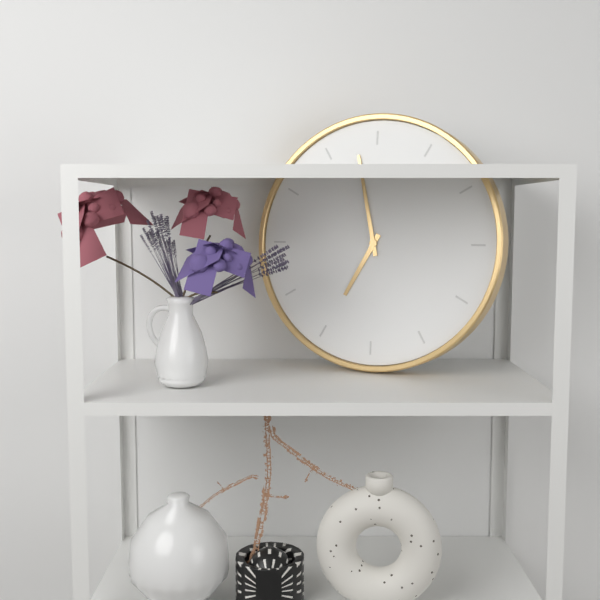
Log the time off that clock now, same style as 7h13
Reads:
6h58
